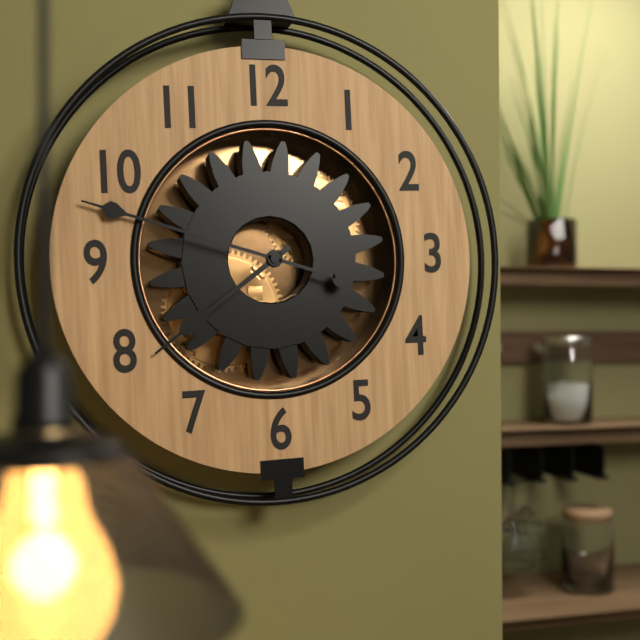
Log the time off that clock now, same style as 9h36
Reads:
7h48
